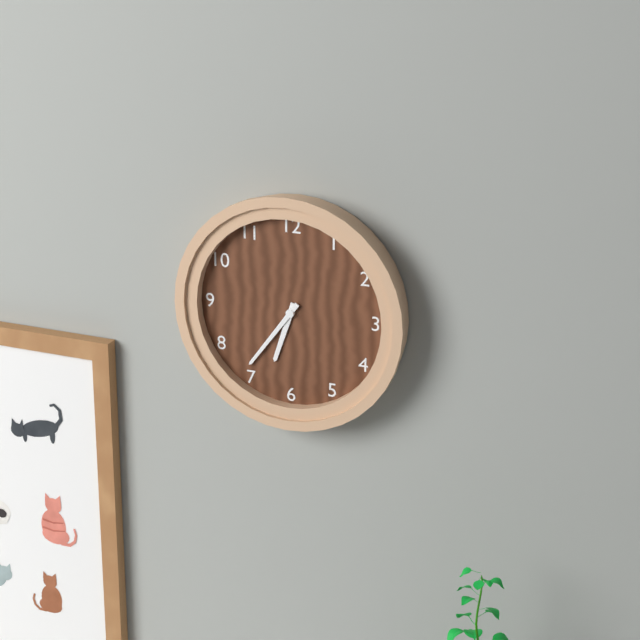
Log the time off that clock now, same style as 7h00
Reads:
6h36
